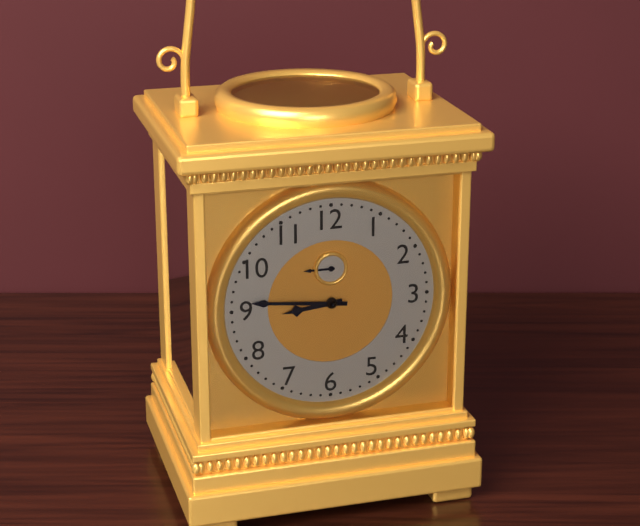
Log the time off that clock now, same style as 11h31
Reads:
8h46
